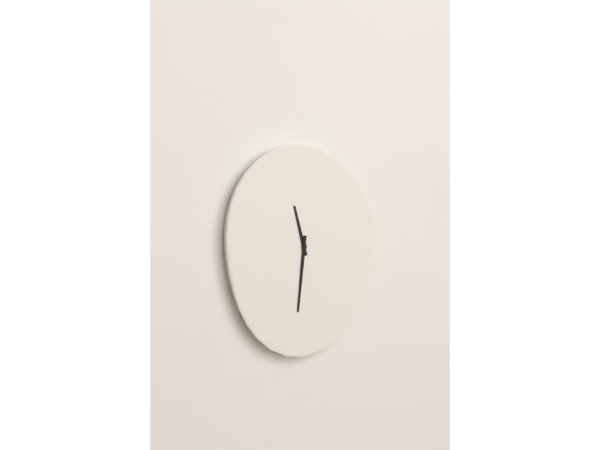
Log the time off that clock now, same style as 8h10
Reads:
11h31
